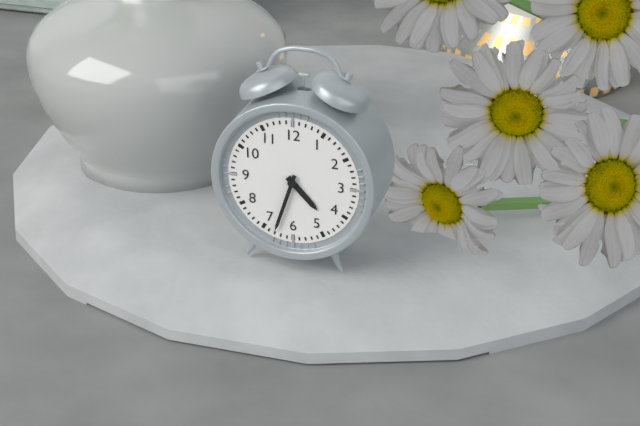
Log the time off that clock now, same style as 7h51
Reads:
4h33
